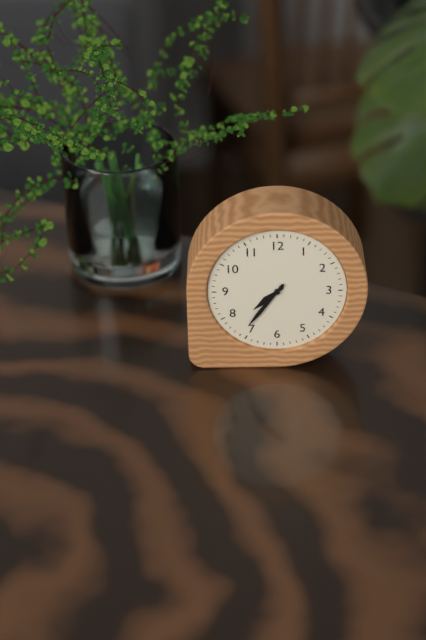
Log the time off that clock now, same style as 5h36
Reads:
7h36
